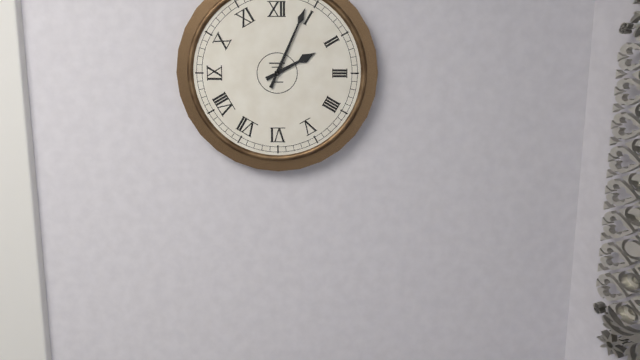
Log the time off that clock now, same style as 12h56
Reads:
2h04
